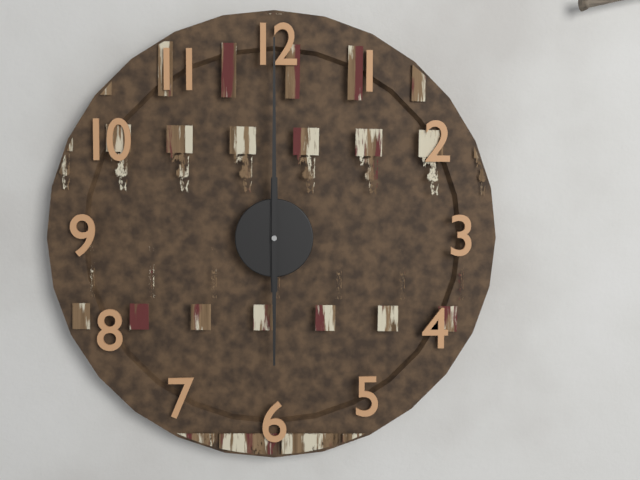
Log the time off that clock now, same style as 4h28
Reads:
12h00
